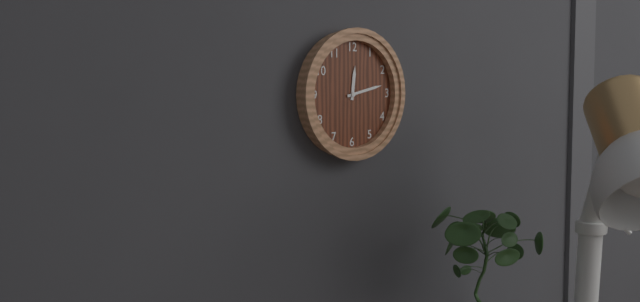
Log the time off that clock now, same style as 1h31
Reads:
12h13
